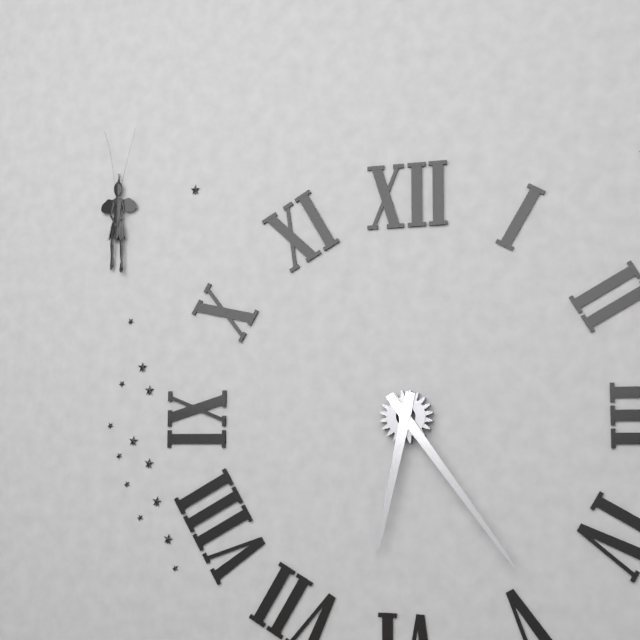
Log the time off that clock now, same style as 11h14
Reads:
6h24
